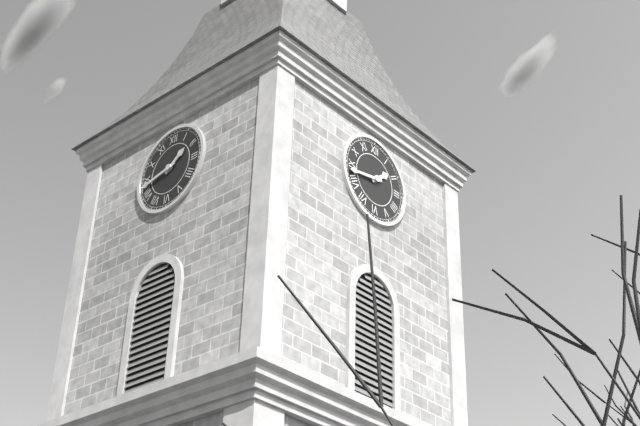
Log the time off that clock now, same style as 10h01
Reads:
1h43
